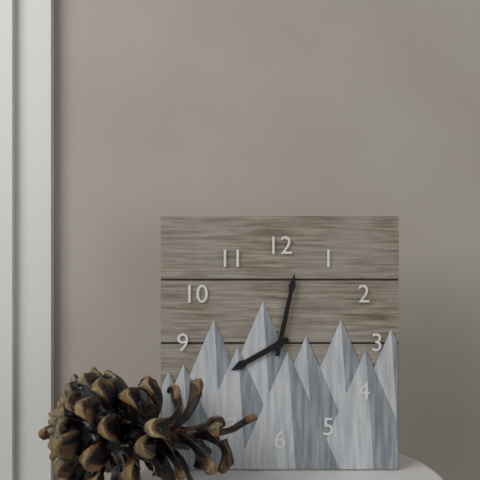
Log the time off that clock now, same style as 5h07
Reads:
8h02
